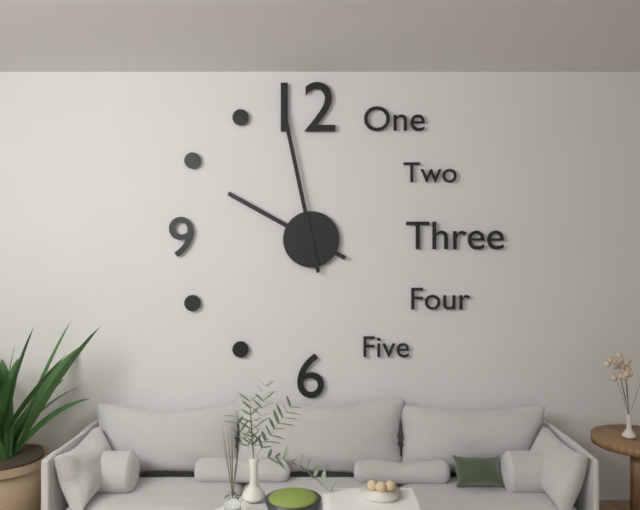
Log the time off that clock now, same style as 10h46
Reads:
9h58
